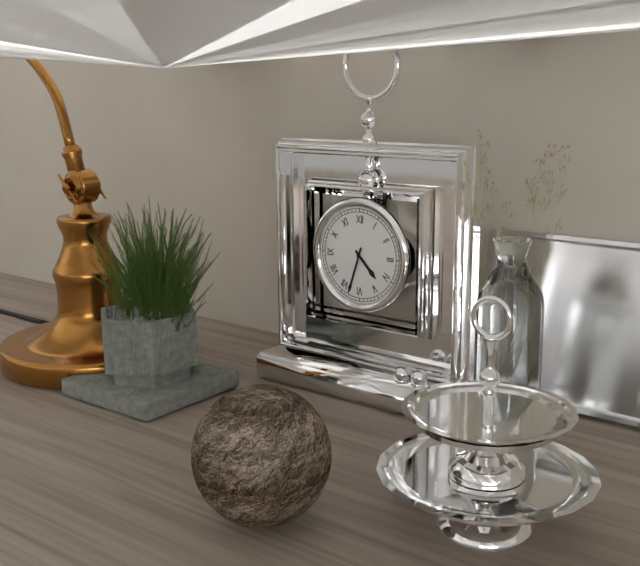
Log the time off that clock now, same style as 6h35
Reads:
4h33
